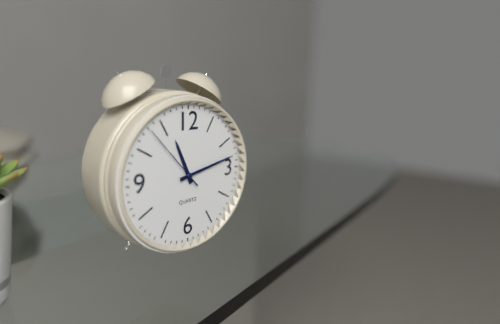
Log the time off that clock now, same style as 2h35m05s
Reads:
11h13m53s
